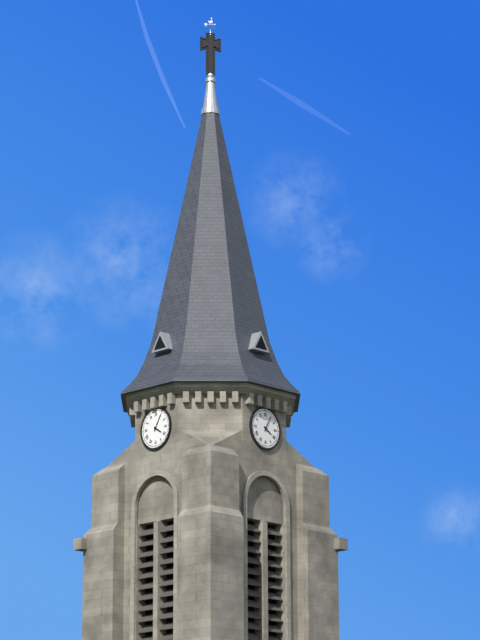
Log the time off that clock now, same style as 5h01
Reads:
4h05
